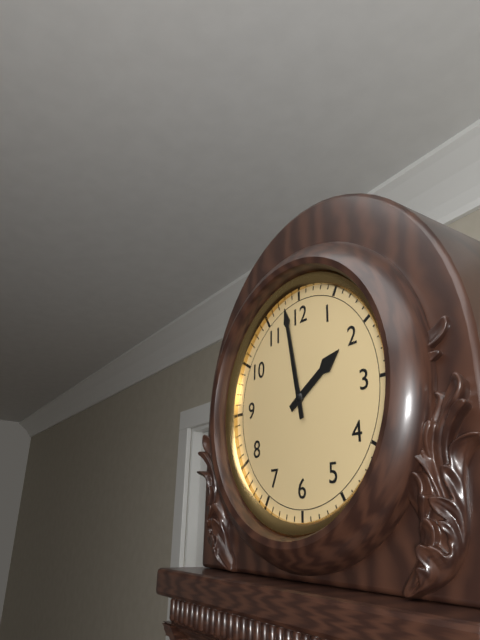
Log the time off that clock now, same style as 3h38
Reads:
1h58
